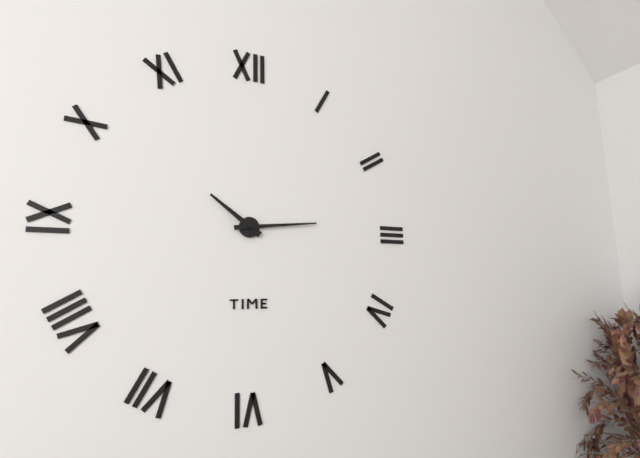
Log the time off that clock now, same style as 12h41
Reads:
10h14
